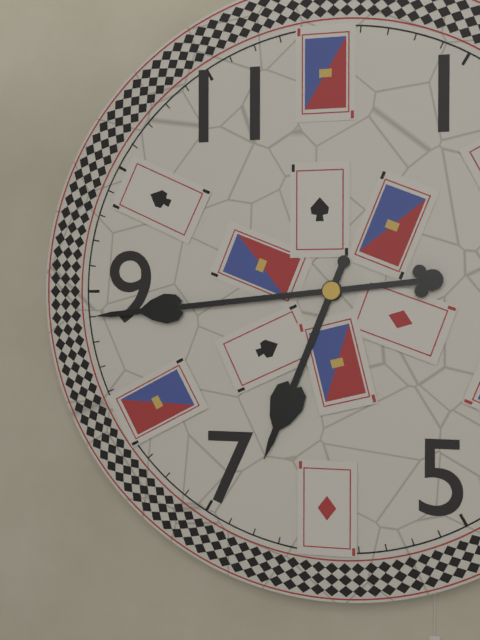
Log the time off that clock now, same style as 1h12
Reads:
6h44
